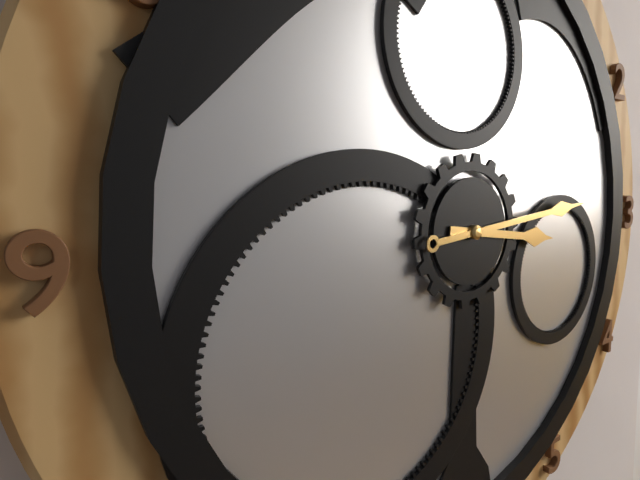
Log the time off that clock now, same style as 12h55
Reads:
3h14
